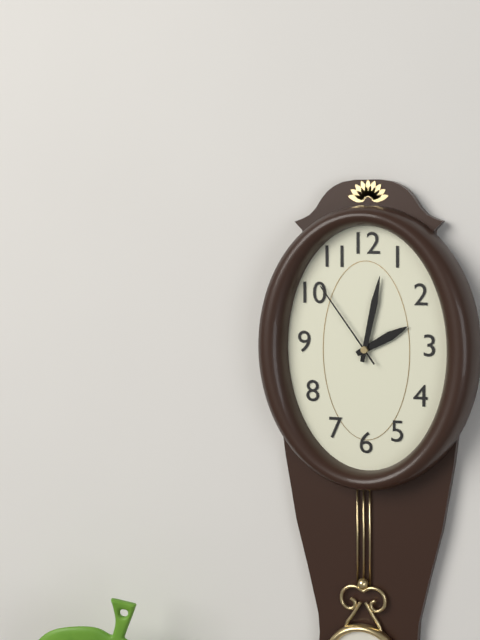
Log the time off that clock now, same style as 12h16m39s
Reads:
2h02m54s
